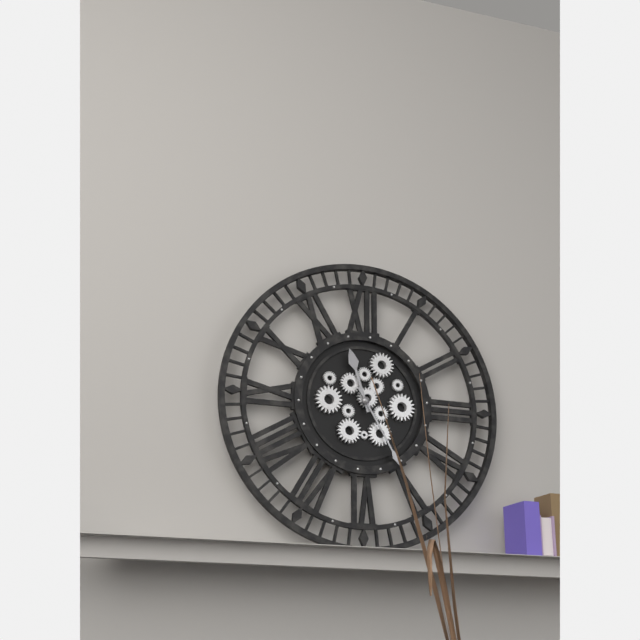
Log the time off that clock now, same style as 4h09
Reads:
11h25
